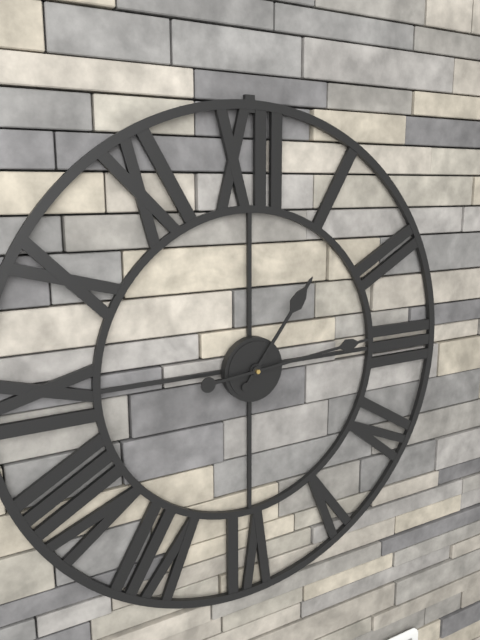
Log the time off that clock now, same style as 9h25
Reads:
1h14
